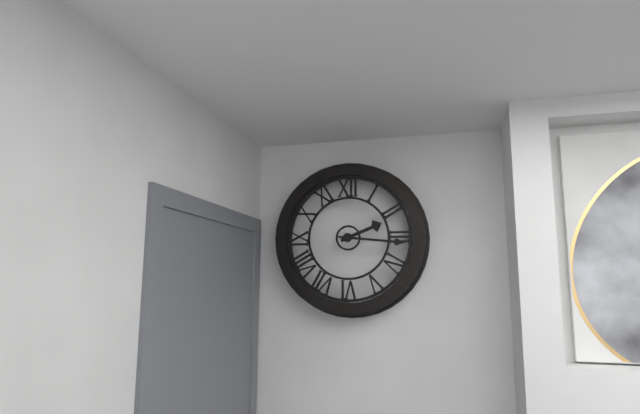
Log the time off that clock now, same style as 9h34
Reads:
2h16
